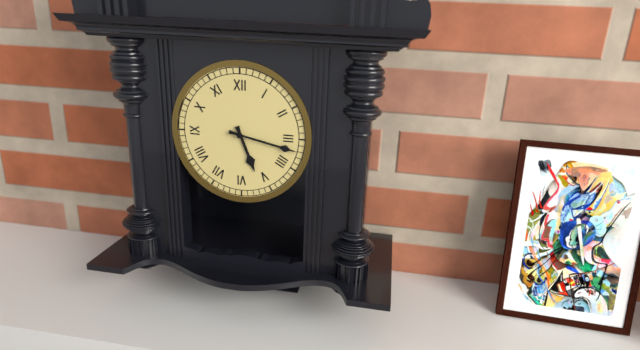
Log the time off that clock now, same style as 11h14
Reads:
5h17
